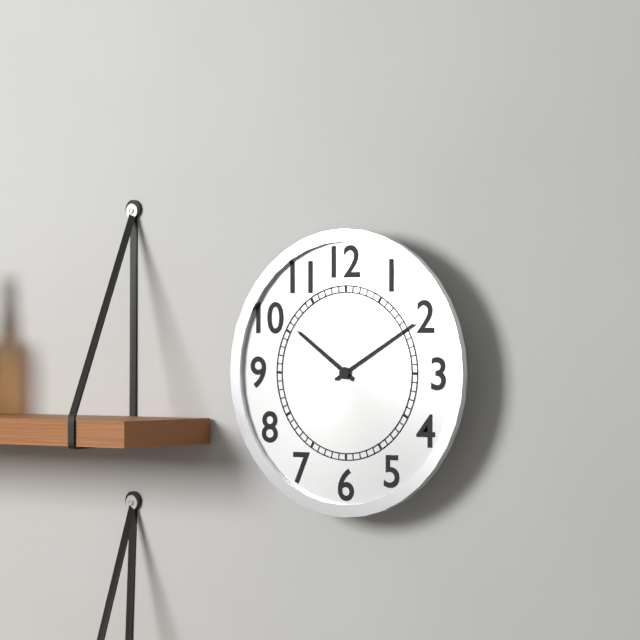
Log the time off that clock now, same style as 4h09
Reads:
10h10
